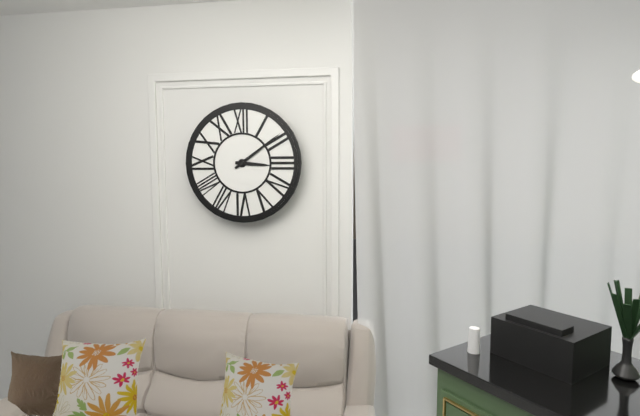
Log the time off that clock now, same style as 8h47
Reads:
3h09
